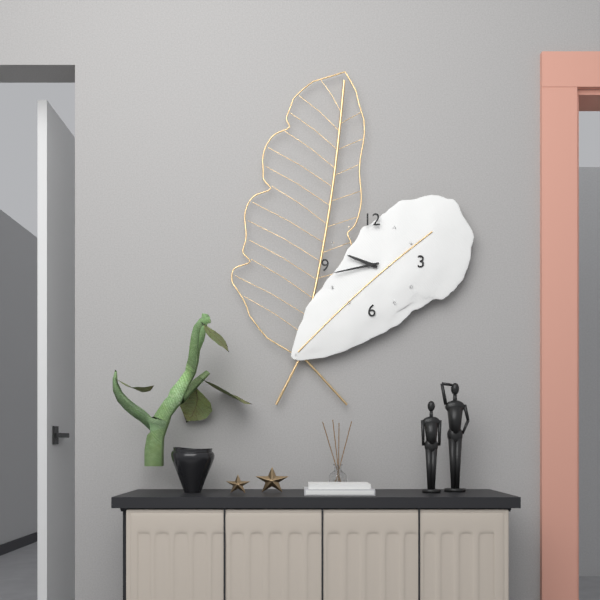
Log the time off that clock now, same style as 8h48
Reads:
9h43
